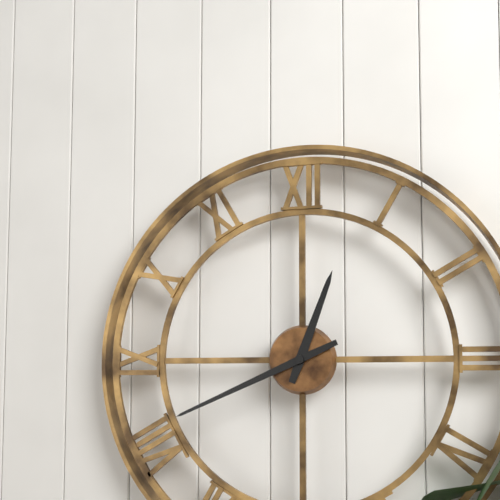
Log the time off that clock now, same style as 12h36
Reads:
12h41
